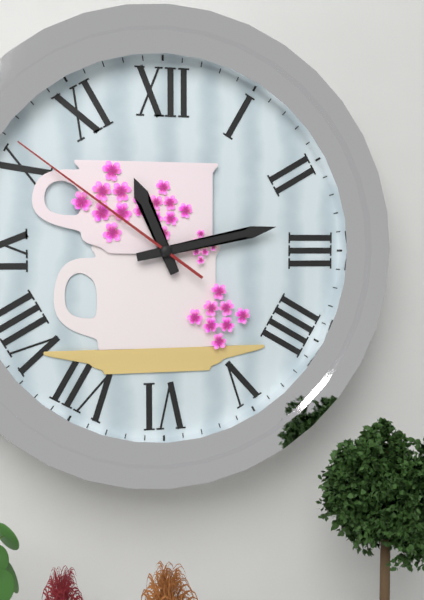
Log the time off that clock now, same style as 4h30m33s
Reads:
11h13m51s
